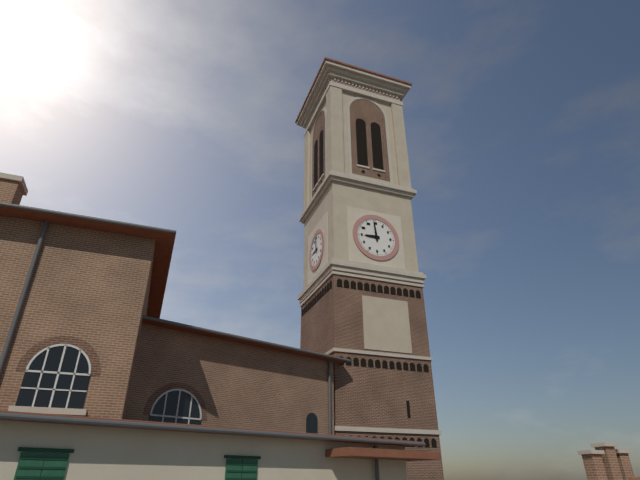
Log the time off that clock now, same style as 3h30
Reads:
8h59
